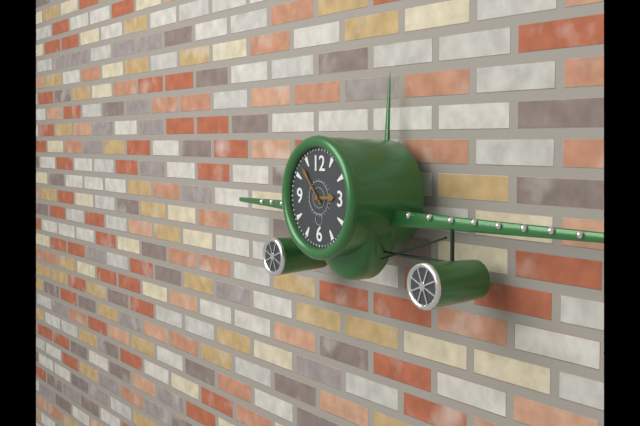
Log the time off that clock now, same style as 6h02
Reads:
2h53
